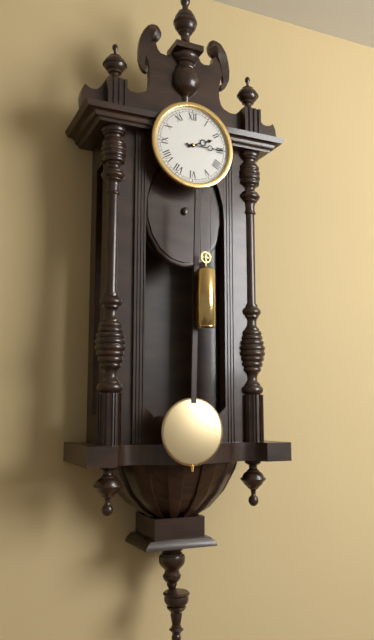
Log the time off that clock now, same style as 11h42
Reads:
2h15
